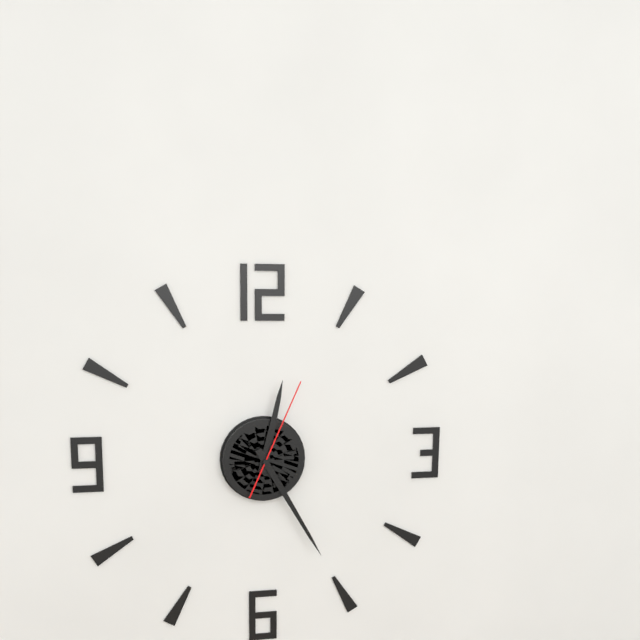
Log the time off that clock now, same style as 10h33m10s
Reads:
12h25m04s
